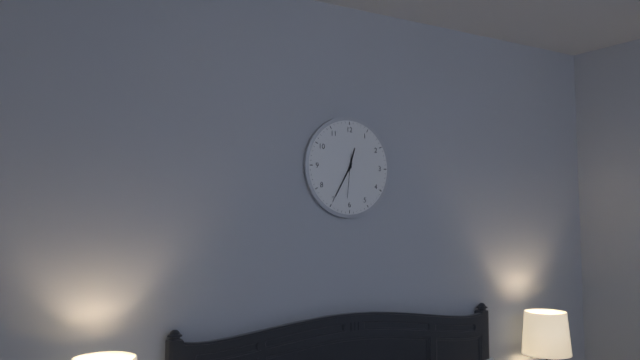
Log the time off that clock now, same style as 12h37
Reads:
12h35
